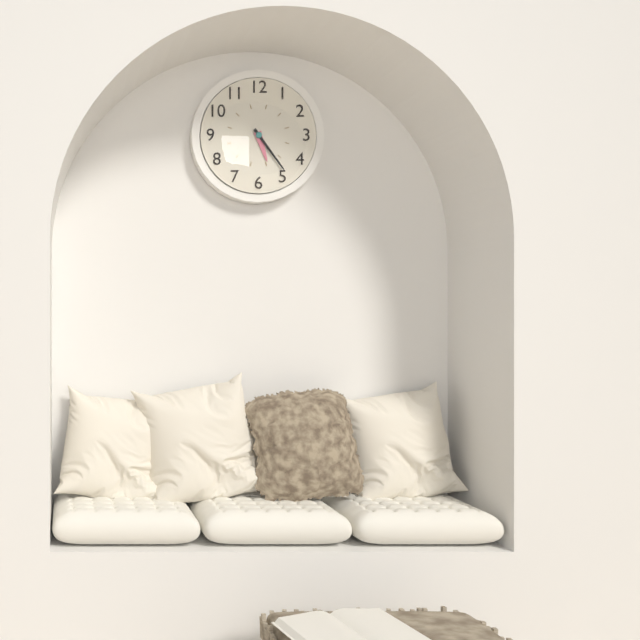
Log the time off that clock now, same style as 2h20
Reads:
5h24
